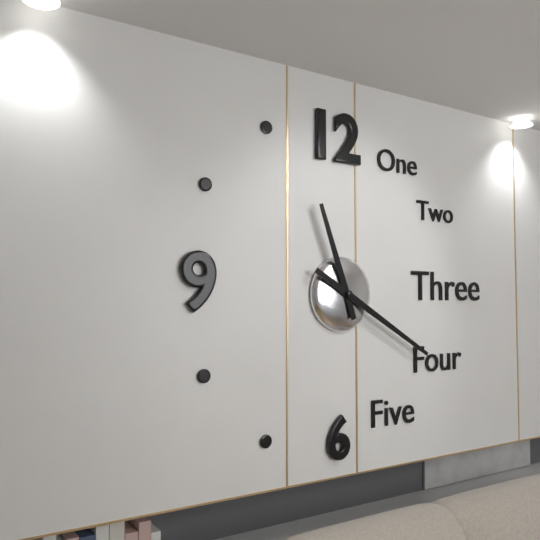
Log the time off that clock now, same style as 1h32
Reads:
11h20
